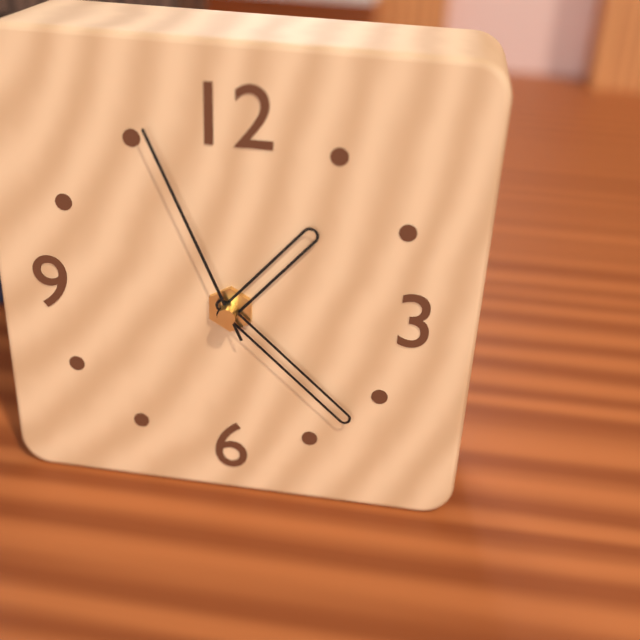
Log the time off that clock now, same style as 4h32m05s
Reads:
1h22m56s
